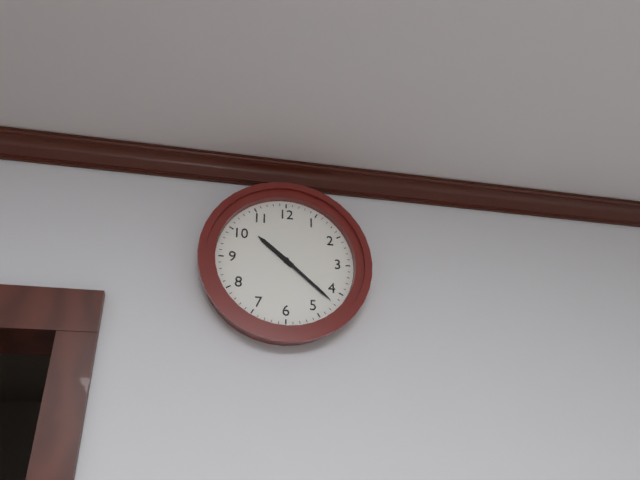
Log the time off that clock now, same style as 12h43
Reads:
10h22
